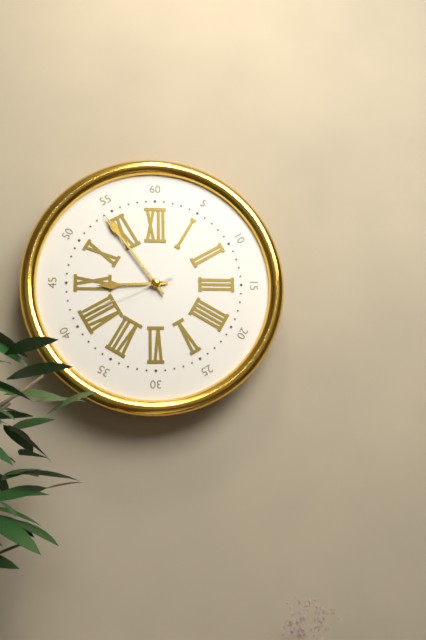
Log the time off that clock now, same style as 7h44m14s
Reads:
8h54m41s
